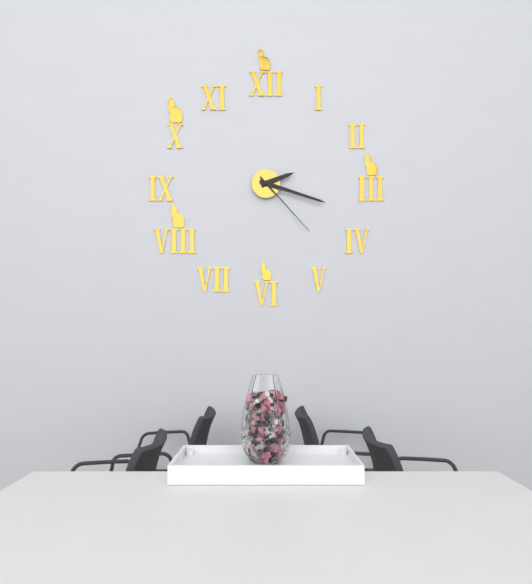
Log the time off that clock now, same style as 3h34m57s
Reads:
2h18m23s
